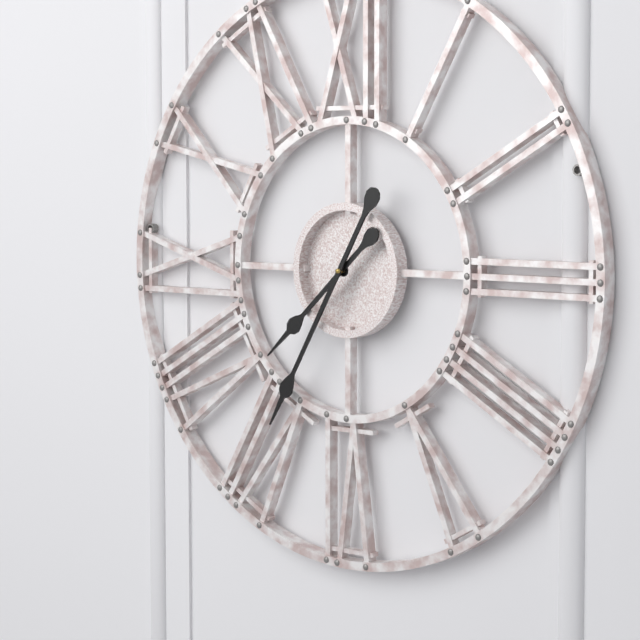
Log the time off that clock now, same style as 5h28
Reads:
7h35
